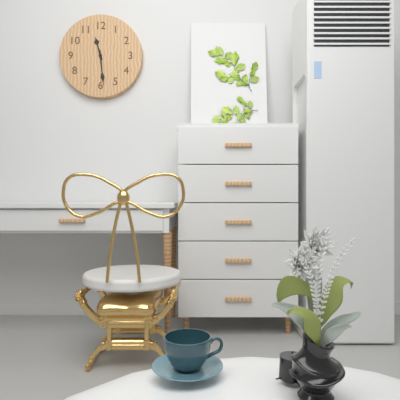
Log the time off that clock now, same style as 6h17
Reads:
11h29
